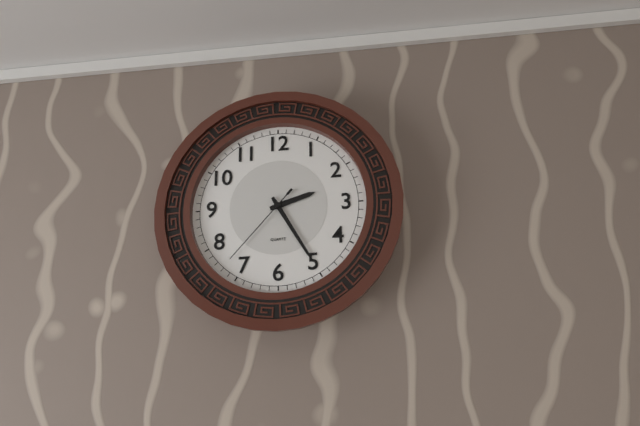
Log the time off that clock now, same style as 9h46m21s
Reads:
2h25m37s
